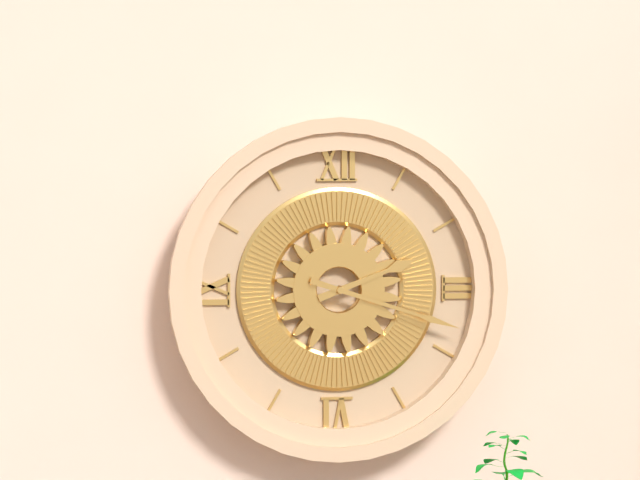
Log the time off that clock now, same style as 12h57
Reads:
2h18
